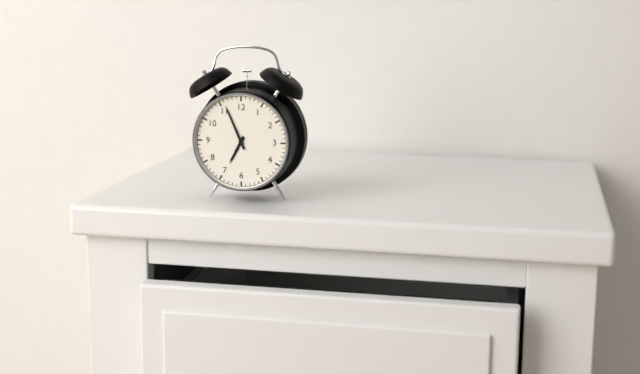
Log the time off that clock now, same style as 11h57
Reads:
6h56
